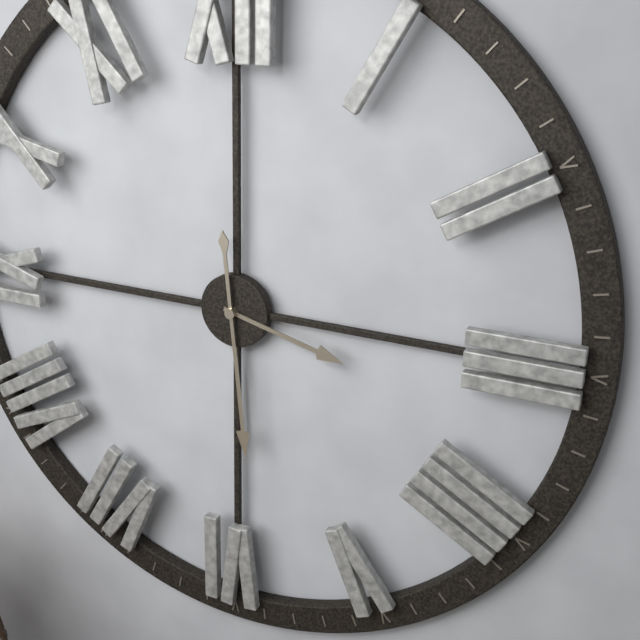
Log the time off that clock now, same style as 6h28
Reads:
3h29
